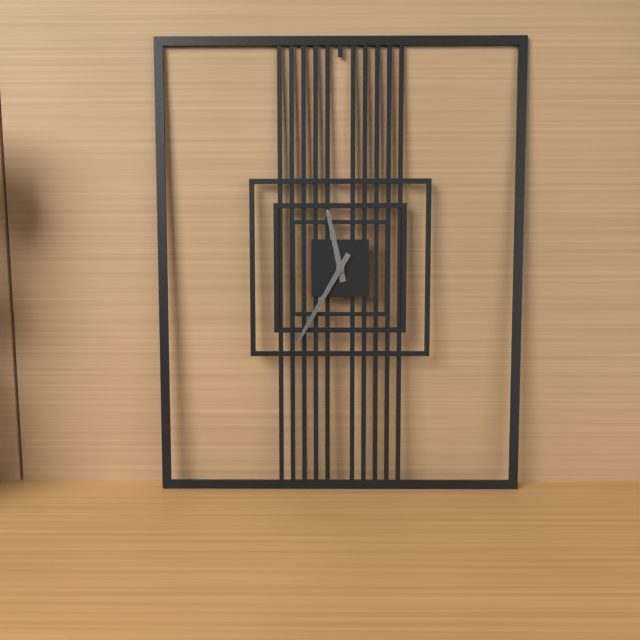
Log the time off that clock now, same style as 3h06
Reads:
11h35
